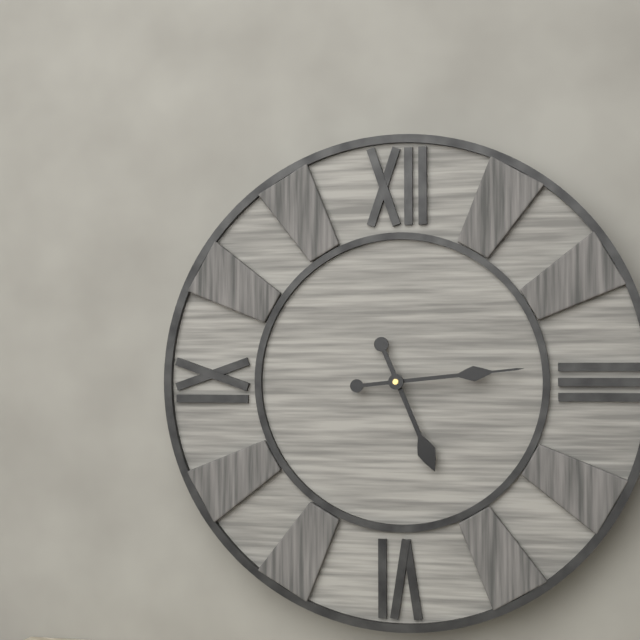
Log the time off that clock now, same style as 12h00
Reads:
5h14
